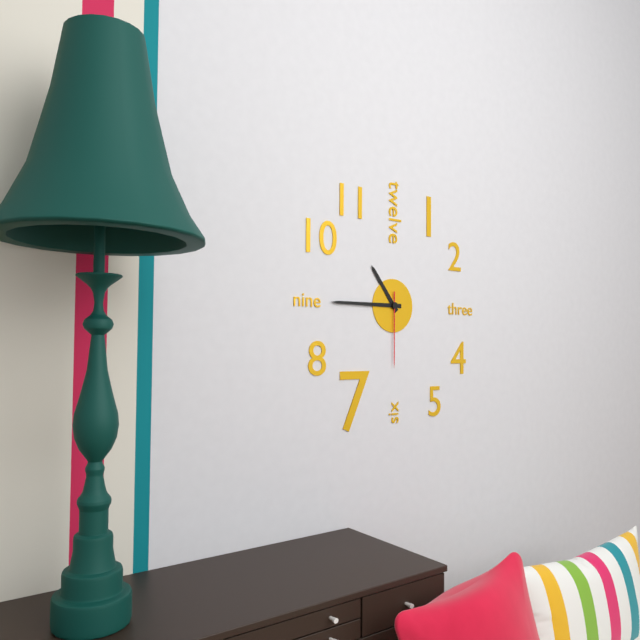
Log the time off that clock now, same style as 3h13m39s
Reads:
10h45m30s
